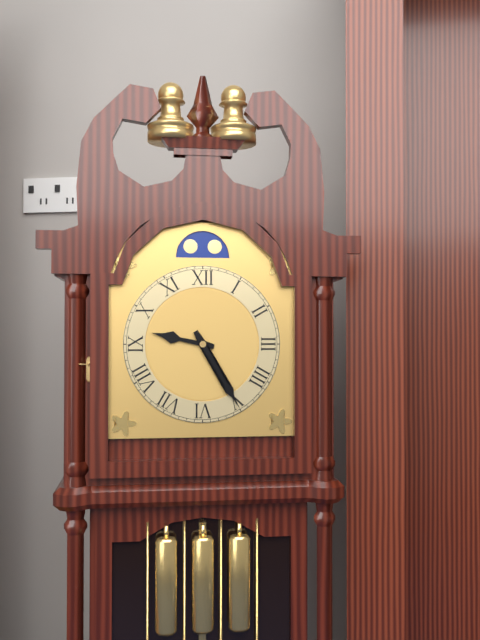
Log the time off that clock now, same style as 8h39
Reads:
9h25
